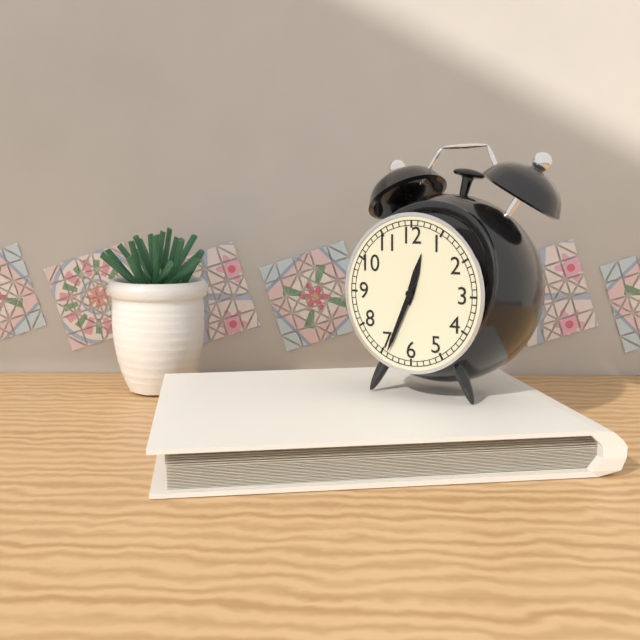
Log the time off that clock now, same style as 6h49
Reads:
12h34
